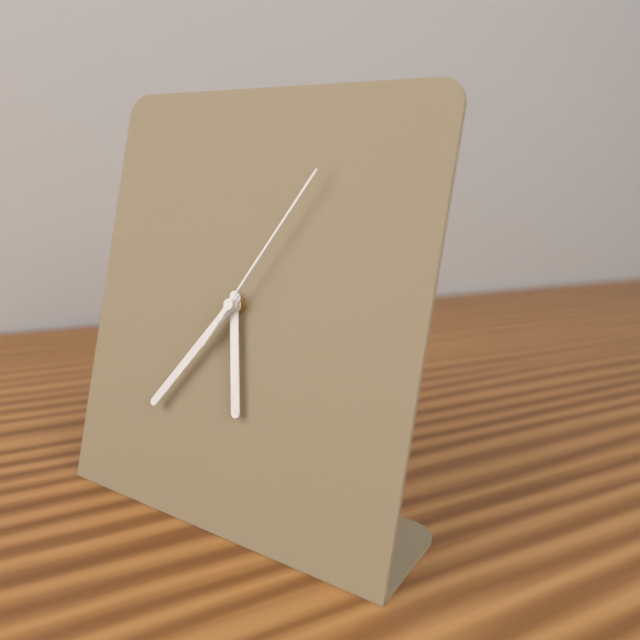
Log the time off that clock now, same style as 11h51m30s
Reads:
5h36m05s
